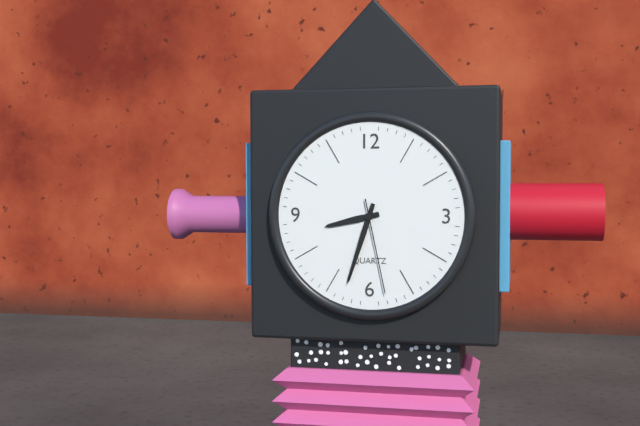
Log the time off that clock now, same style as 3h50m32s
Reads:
8h33m28s
